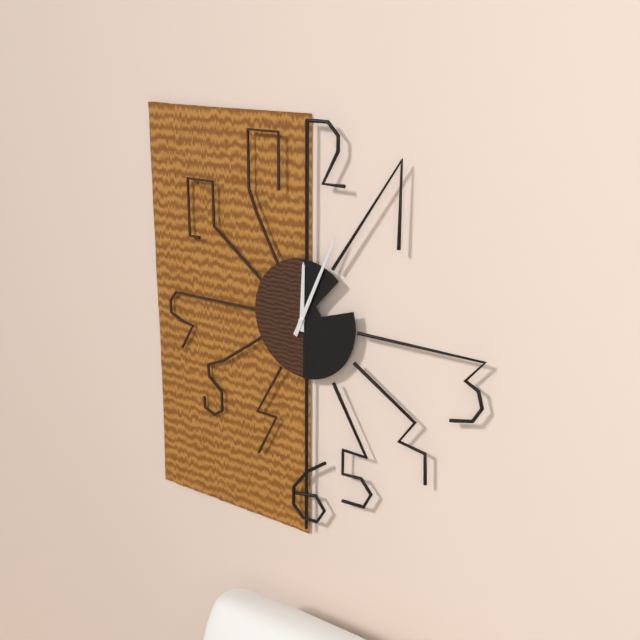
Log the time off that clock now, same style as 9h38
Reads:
12h04
